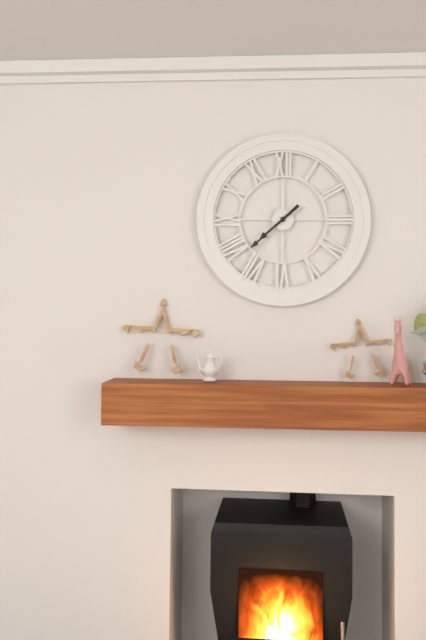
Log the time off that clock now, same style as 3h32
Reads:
7h38
